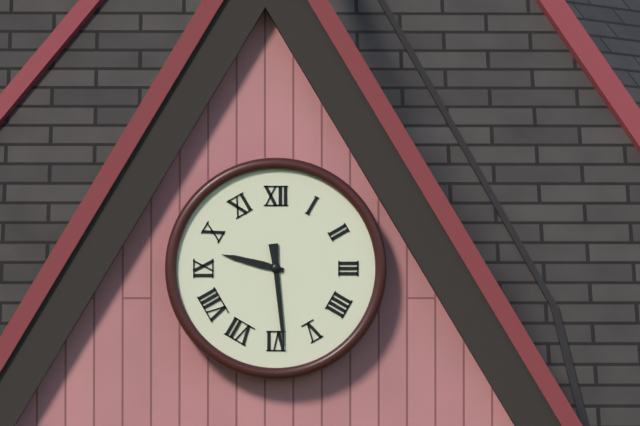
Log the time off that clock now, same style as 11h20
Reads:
9h29
